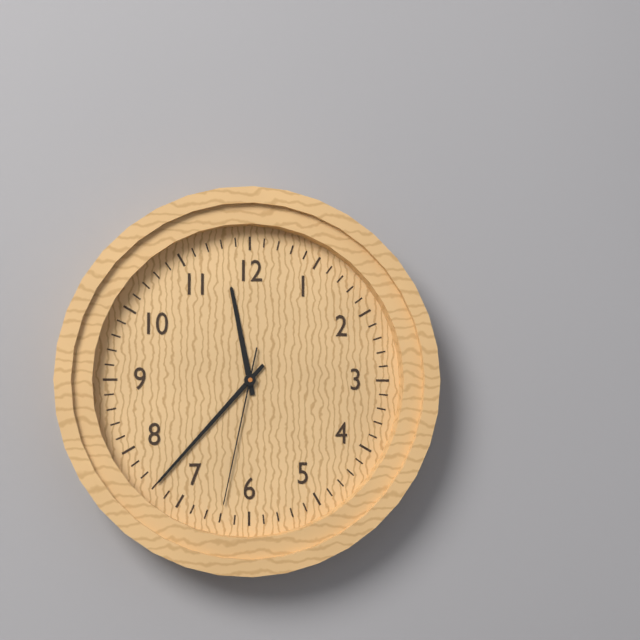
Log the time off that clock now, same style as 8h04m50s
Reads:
11h37m32s
